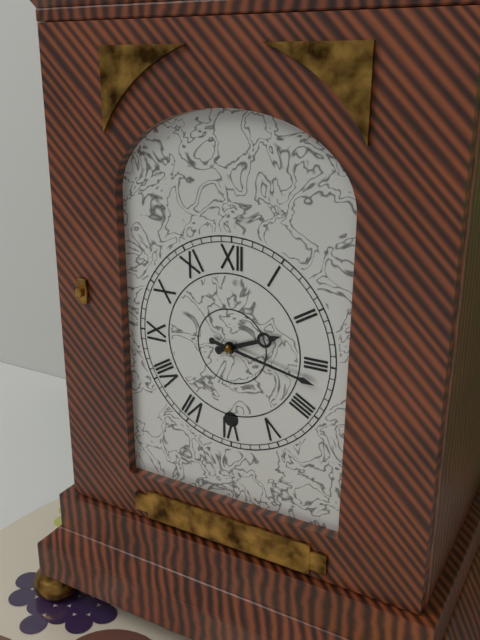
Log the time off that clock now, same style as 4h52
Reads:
2h17
